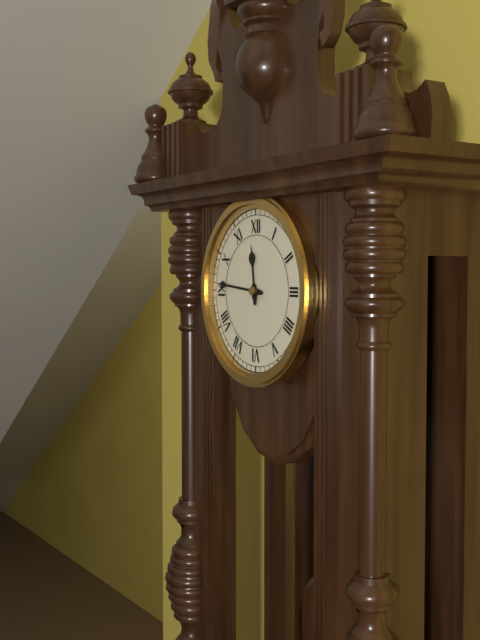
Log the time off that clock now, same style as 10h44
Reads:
11h46
